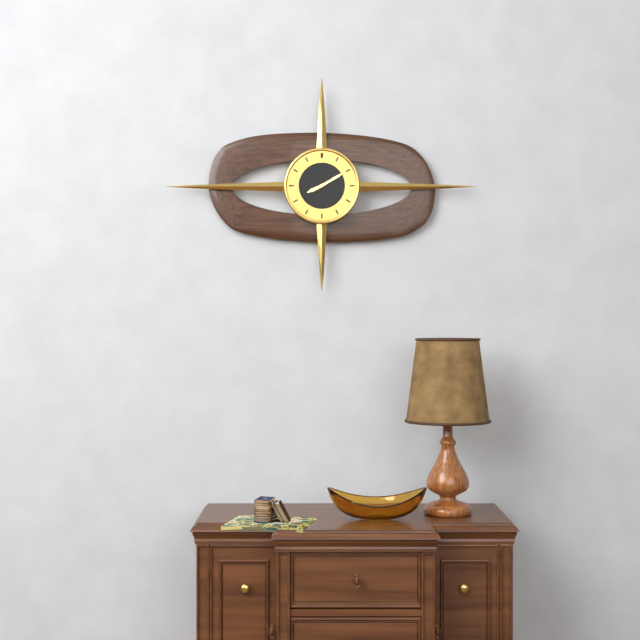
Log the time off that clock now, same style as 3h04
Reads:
8h10
